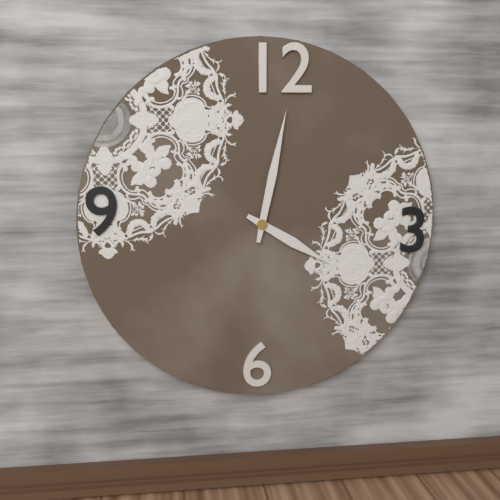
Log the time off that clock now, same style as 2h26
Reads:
4h02
